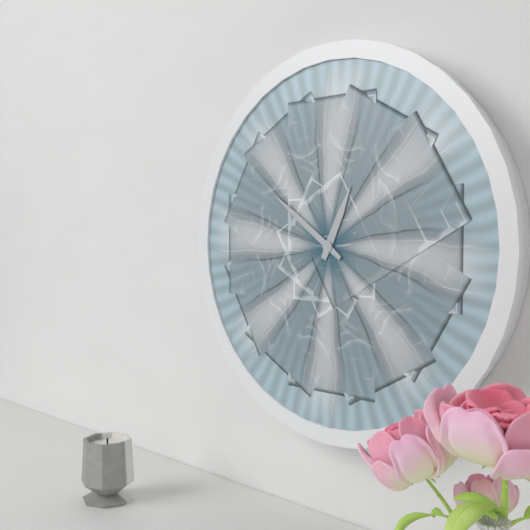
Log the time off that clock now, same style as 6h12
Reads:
12h51
